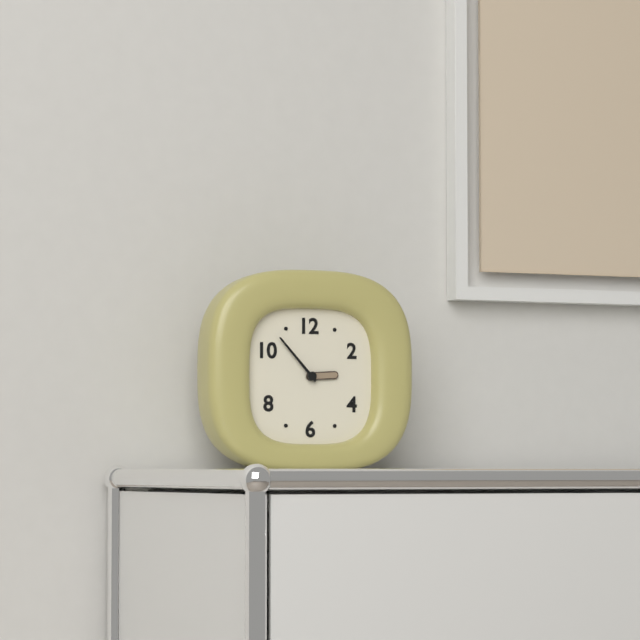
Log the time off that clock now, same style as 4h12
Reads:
2h53
